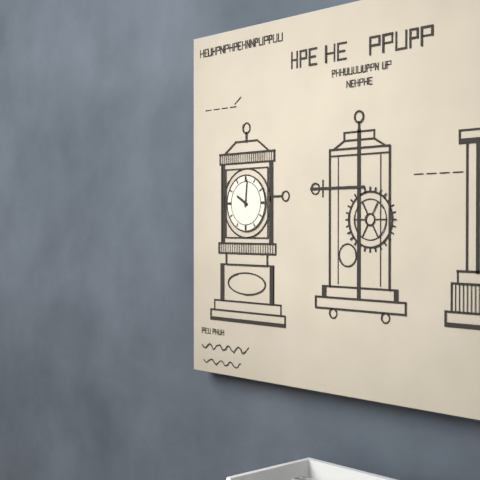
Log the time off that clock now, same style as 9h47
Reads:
10h01
